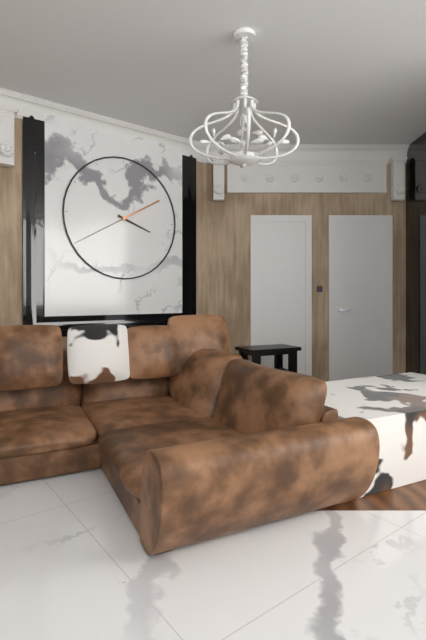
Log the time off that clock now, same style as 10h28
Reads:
3h40
